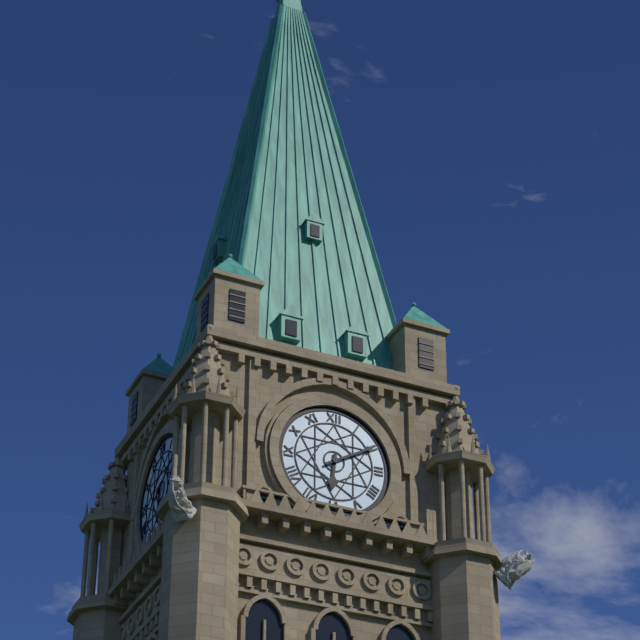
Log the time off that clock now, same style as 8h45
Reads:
6h10
